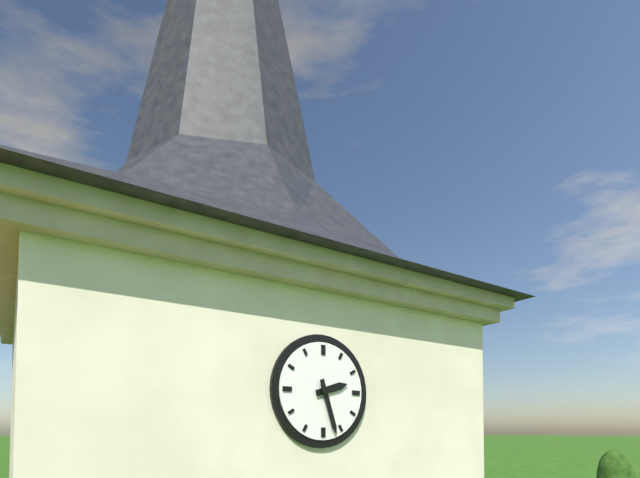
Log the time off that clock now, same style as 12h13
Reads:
2h27
